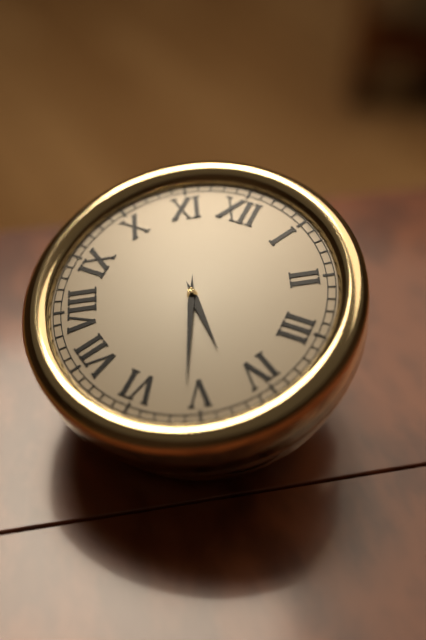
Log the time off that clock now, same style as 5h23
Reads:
4h26
